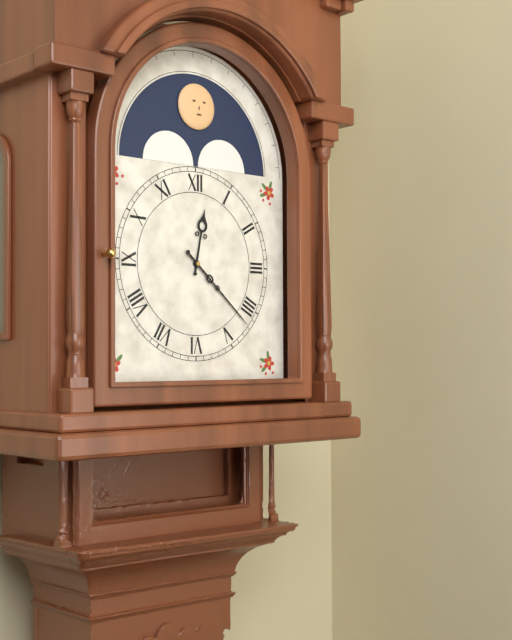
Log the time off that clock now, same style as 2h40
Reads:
12h22
